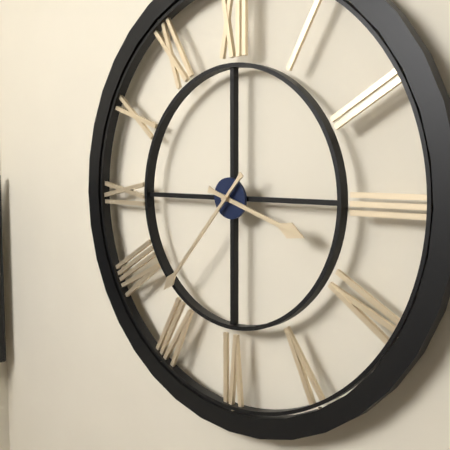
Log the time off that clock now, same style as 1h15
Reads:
3h37
